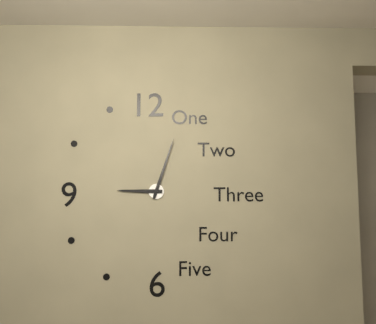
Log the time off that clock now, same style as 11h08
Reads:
9h03
